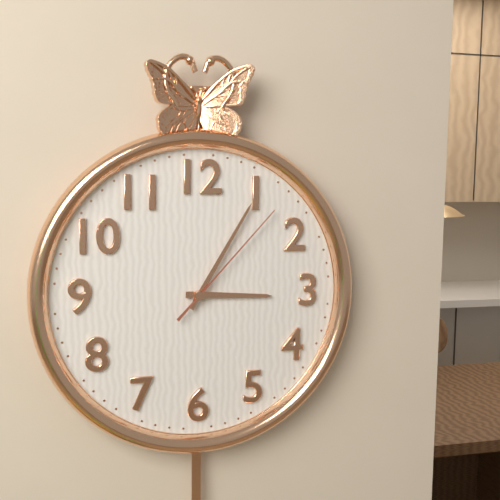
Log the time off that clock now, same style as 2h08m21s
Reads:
3h05m07s
